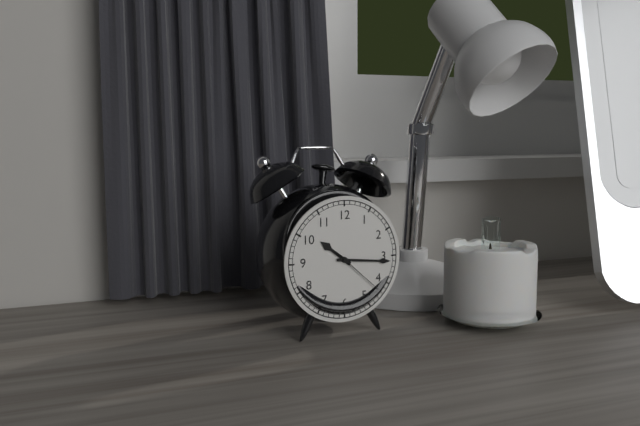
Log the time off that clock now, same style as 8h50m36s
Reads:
10h16m22s
